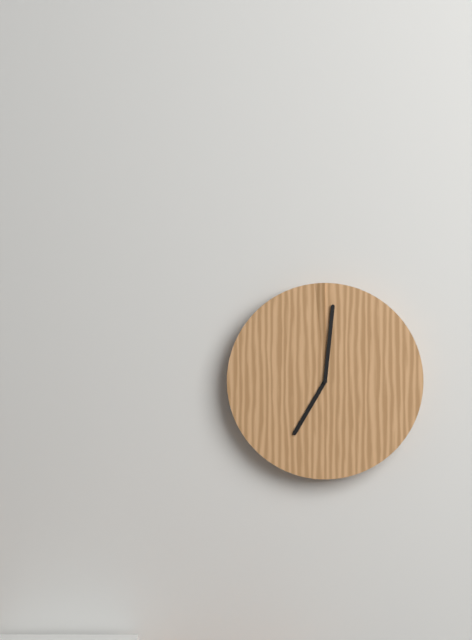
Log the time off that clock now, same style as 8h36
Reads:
7h01
